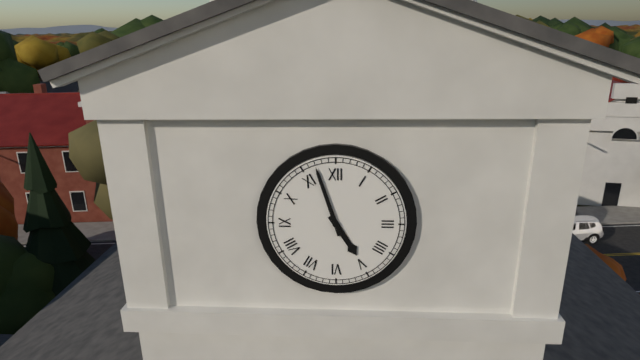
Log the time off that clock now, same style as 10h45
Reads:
4h57
